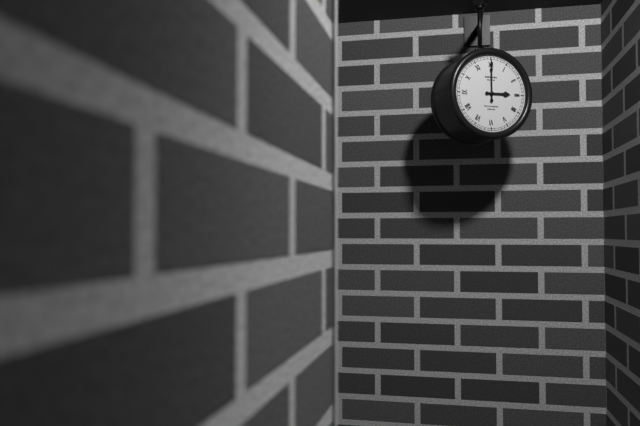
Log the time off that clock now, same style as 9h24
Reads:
3h00
